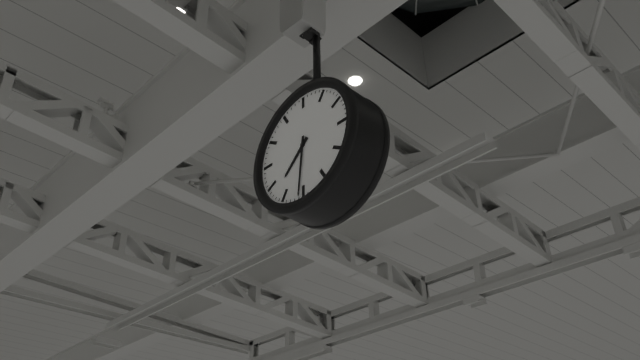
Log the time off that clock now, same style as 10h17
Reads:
7h31
